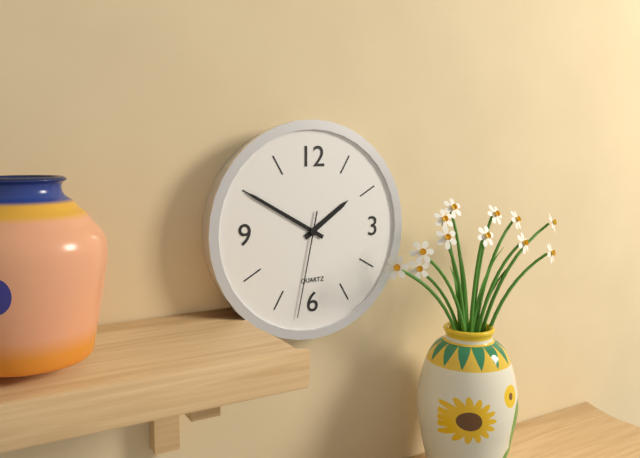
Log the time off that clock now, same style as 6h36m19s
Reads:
1h50m32s
